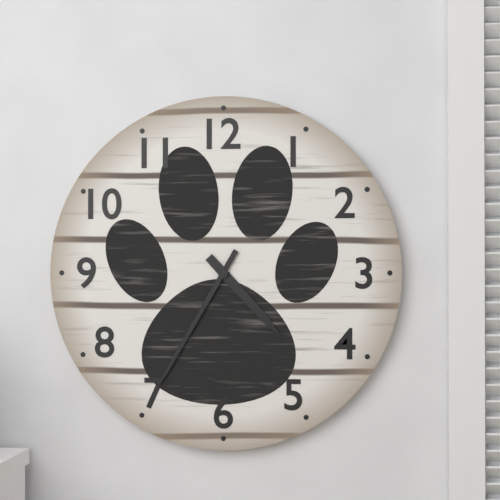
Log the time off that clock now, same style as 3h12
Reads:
4h35
